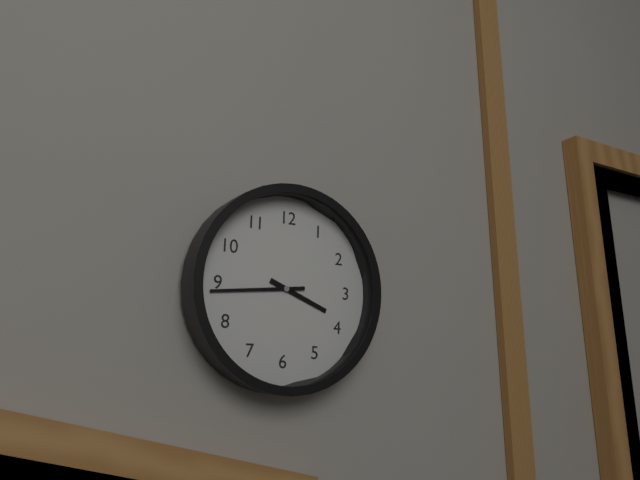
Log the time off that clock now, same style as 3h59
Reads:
3h44
